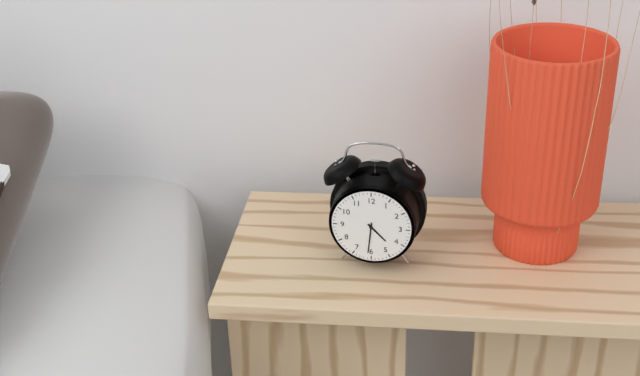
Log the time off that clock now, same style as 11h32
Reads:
4h31
